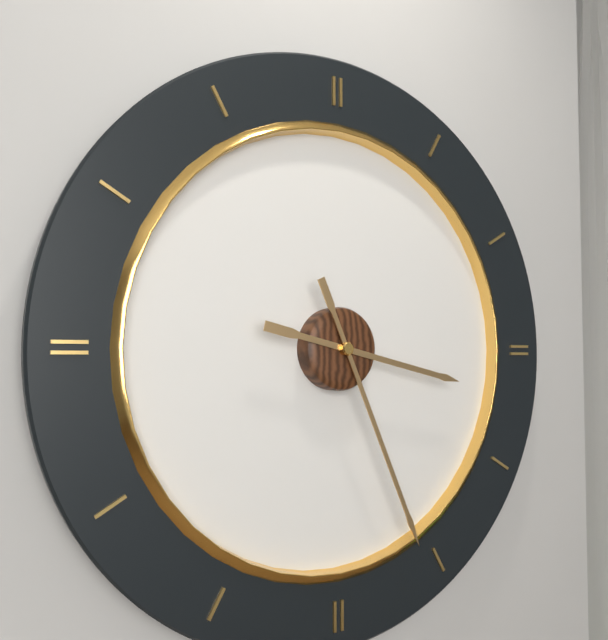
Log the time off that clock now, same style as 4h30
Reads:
3h26
